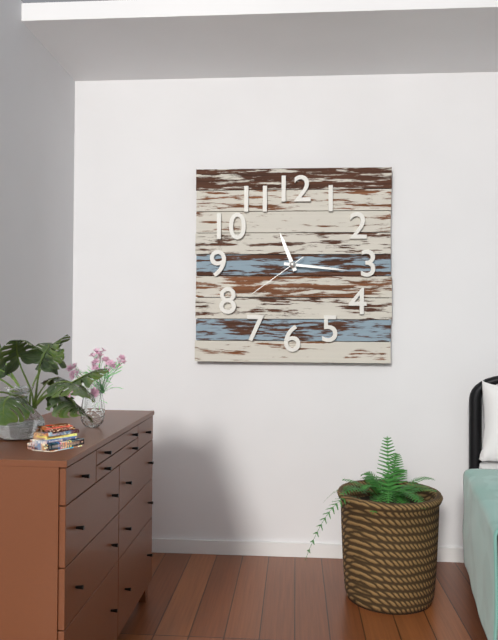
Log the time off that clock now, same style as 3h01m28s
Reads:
11h16m39s
